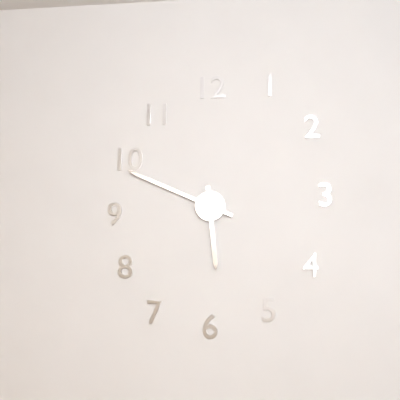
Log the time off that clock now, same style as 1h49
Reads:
5h49
